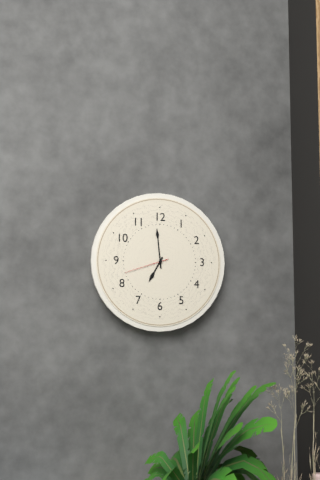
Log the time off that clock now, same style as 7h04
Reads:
6h59
